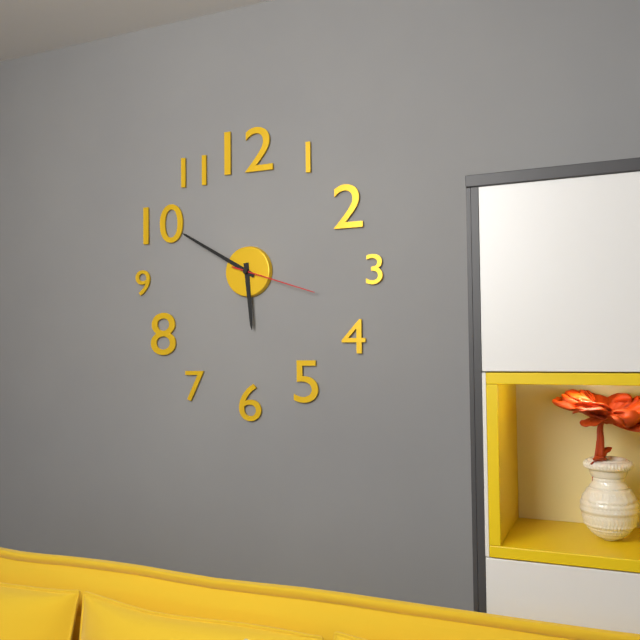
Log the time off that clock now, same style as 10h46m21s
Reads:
5h50m18s
